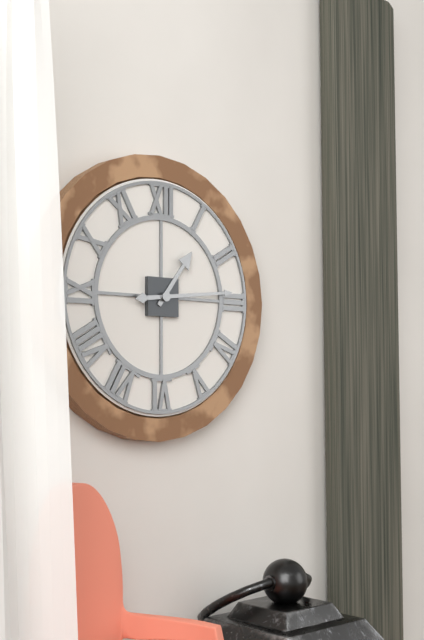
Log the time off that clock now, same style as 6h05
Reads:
1h14
